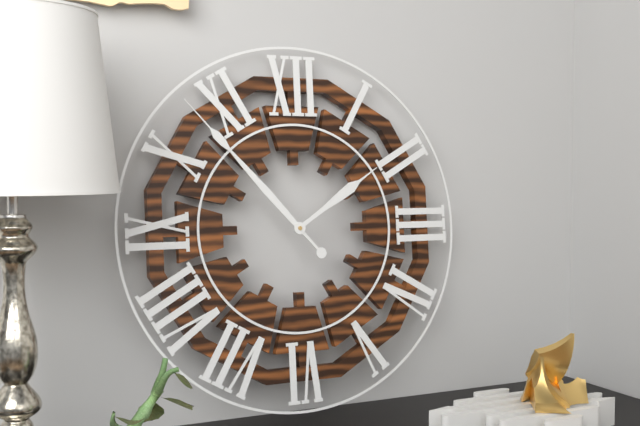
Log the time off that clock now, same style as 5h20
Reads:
1h53
